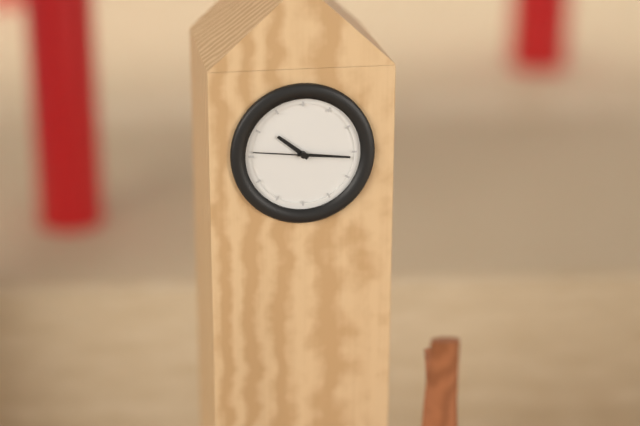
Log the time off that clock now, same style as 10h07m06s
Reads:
10h16m46s
